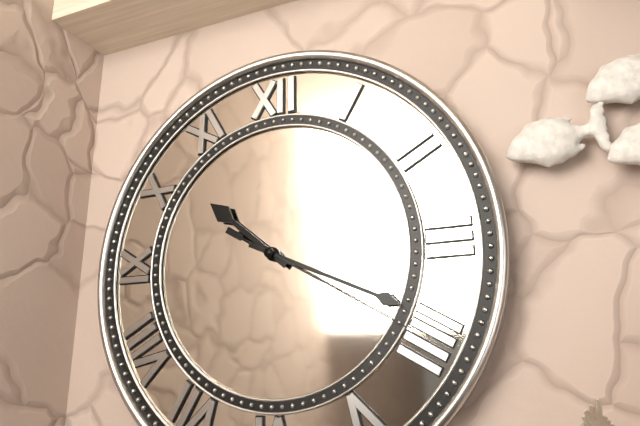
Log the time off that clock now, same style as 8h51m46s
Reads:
10h19m20s
